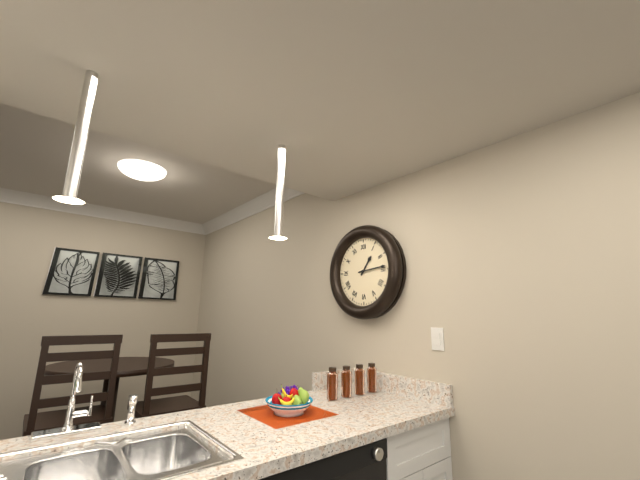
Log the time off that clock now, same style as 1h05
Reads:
1h14
